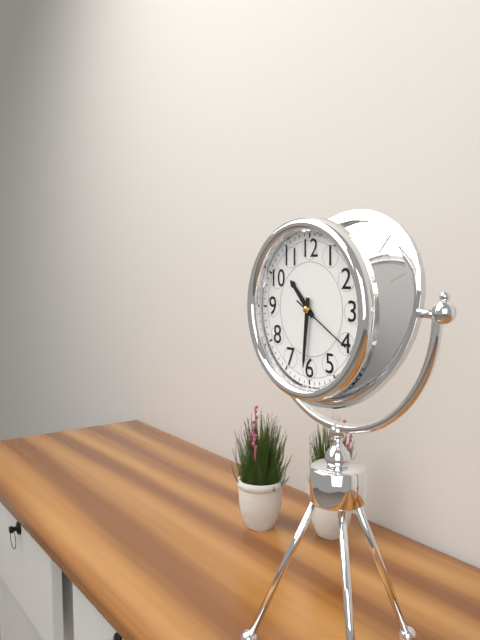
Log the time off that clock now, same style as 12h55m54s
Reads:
10h31m20s
